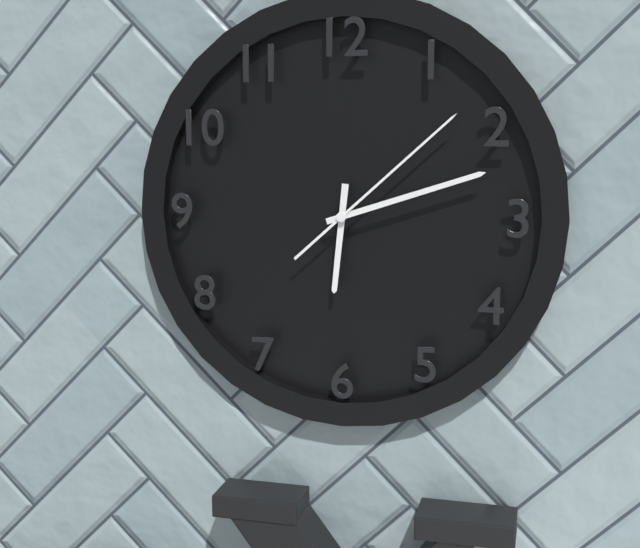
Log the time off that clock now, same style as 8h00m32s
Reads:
6h12m08s
